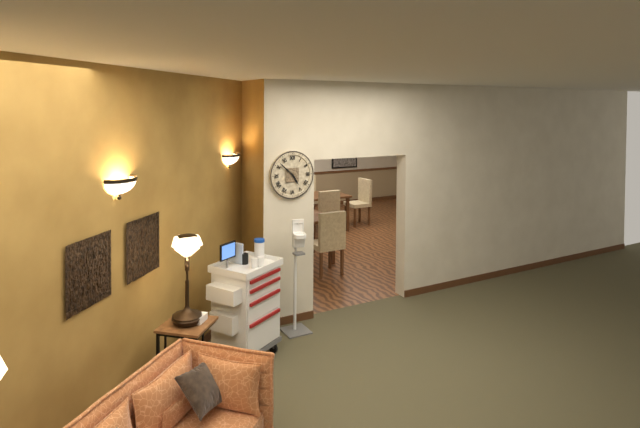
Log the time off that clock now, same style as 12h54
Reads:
4h52
